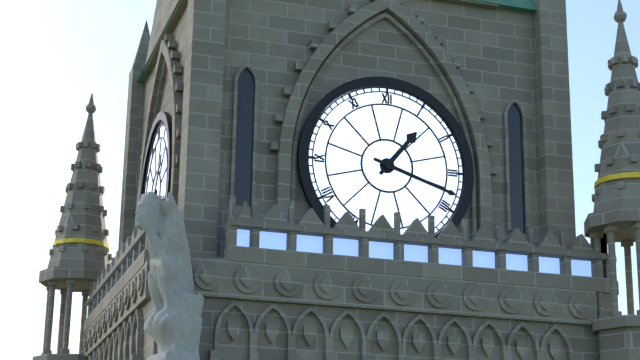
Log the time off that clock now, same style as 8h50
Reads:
1h18
